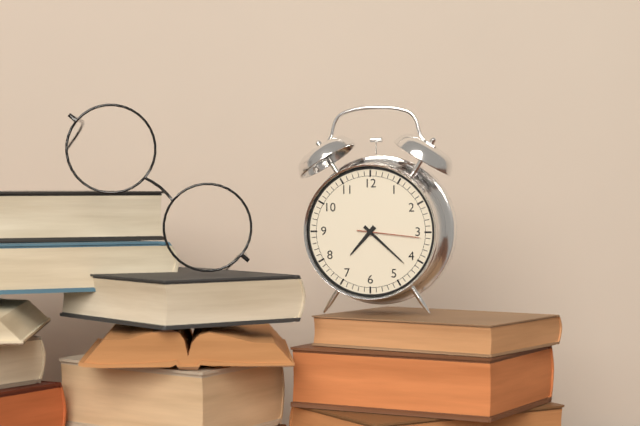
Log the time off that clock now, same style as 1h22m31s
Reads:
7h22m16s
